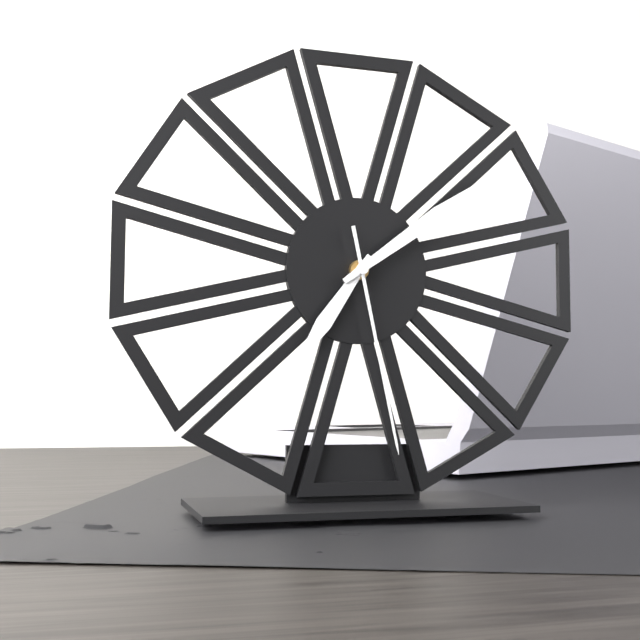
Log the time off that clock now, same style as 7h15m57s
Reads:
7h09m28s
